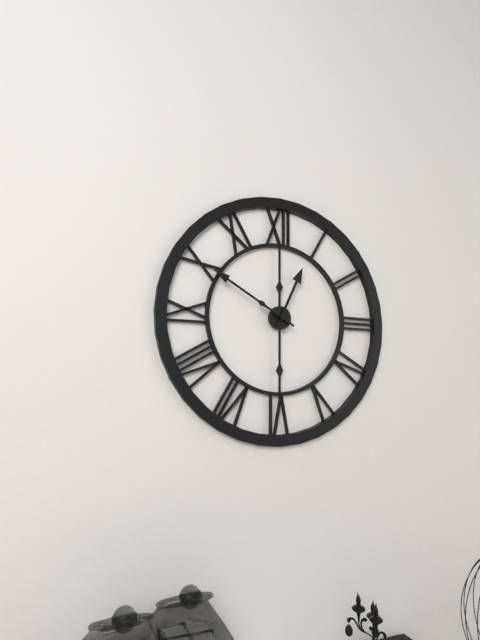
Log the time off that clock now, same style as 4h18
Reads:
12h50
